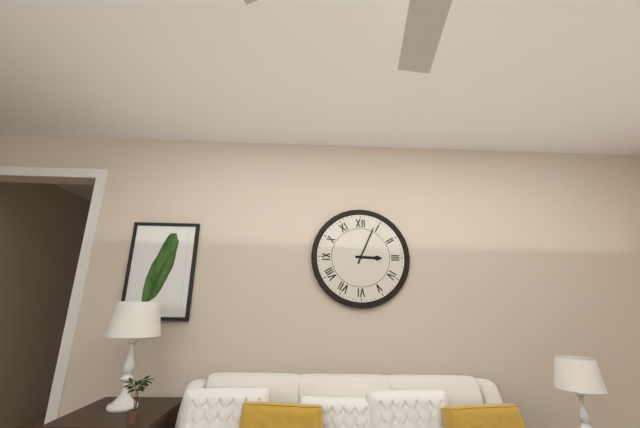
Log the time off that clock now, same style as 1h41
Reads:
3h04
